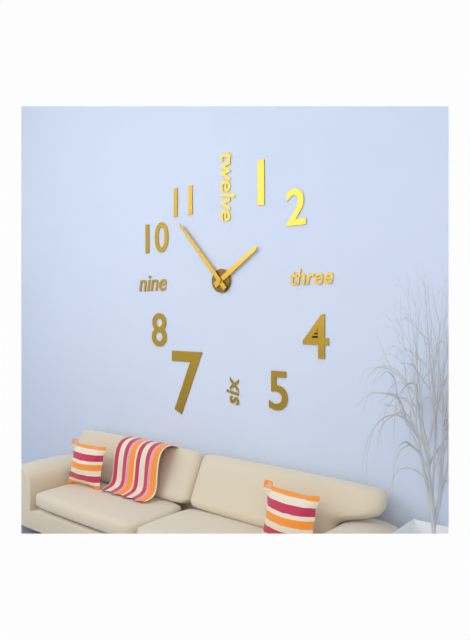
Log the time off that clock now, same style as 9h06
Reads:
1h53
